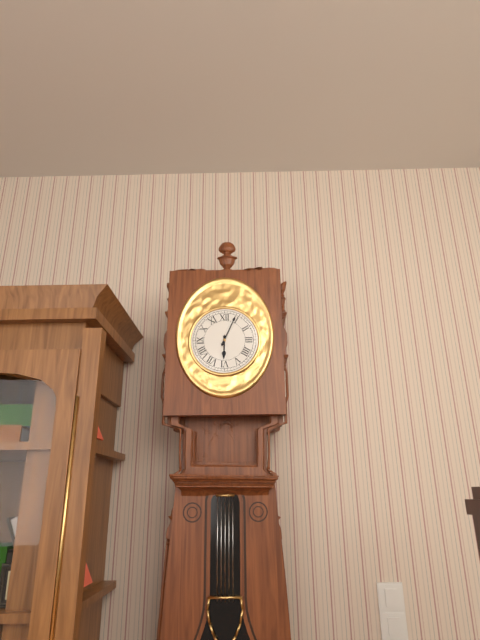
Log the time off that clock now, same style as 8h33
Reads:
6h04
